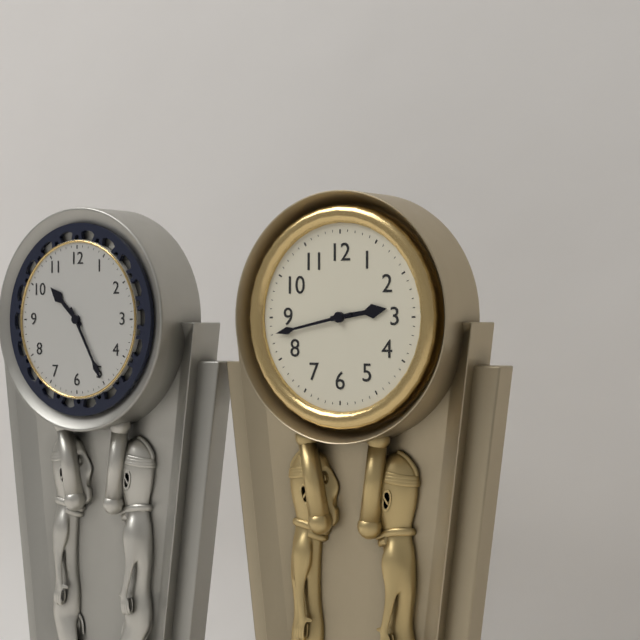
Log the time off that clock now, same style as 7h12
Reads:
2h43
